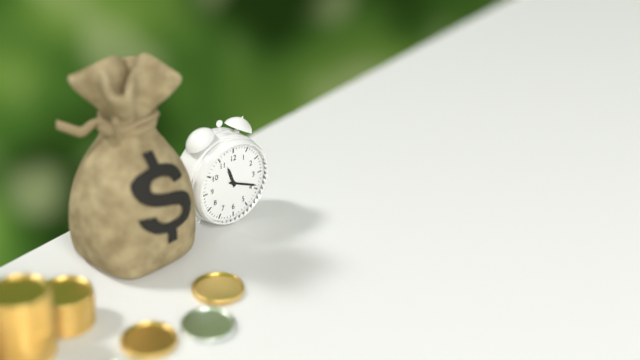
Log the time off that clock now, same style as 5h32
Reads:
11h19
